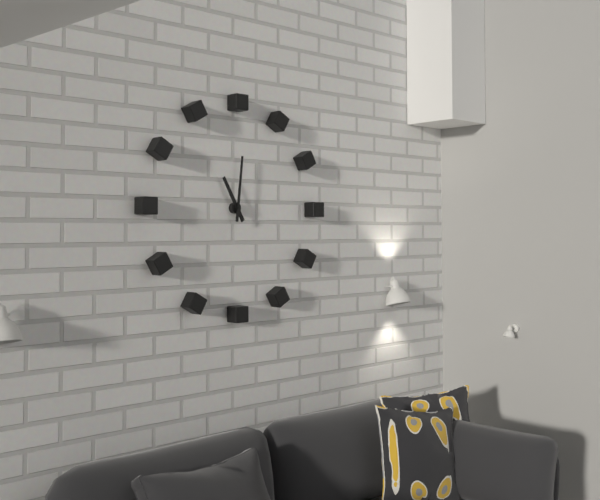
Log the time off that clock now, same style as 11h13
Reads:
11h01
